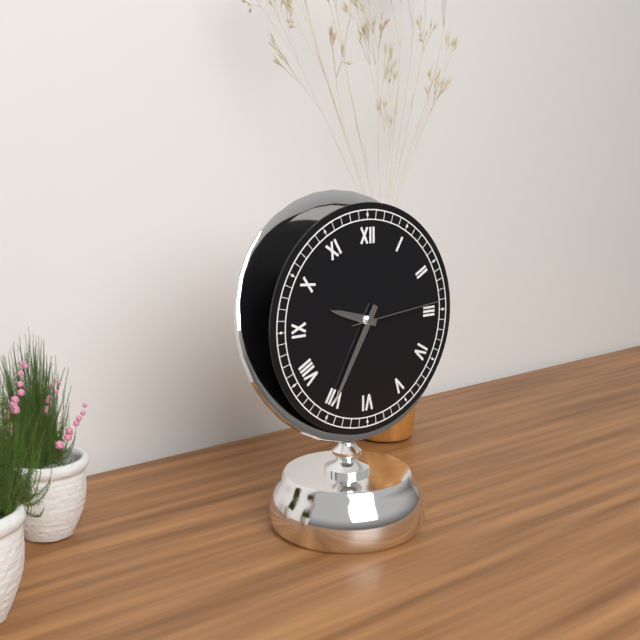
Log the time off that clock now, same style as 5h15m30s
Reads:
9h35m14s
